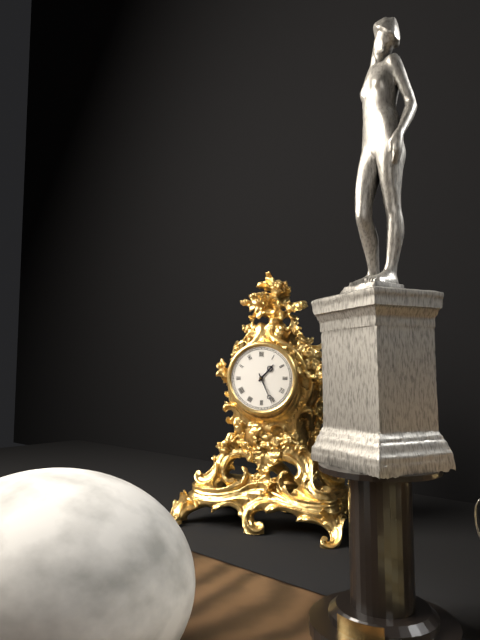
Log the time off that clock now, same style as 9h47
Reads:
1h26
